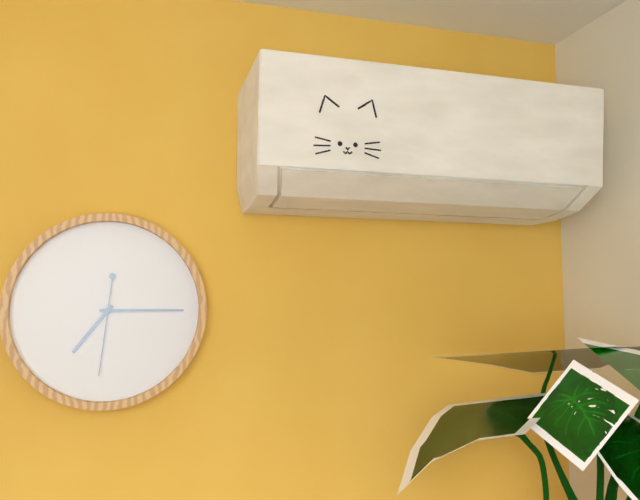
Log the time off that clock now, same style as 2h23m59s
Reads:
7h15m31s
